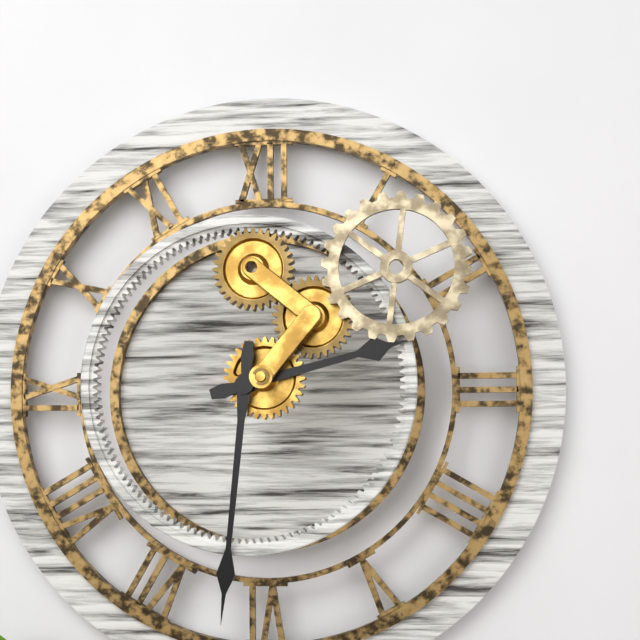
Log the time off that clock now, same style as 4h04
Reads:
2h31
